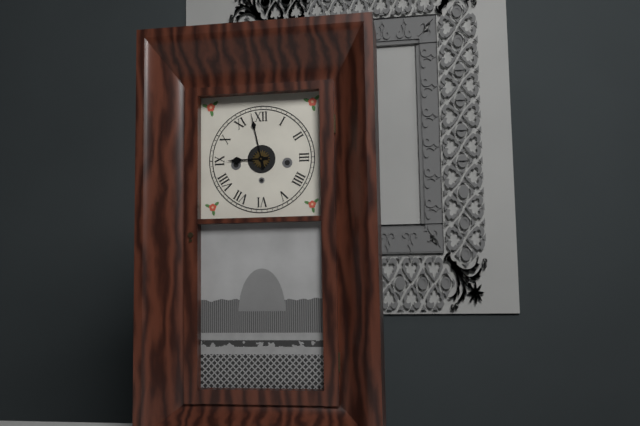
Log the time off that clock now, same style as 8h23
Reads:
8h58
